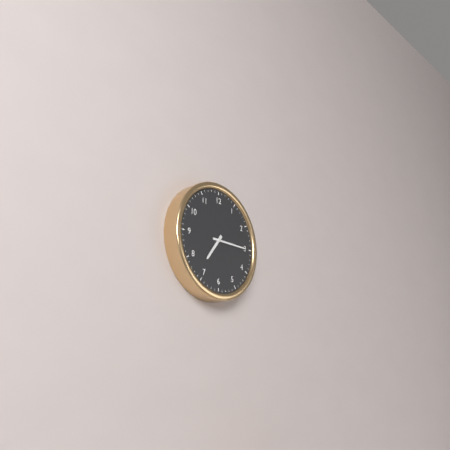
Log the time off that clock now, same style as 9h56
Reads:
7h15
